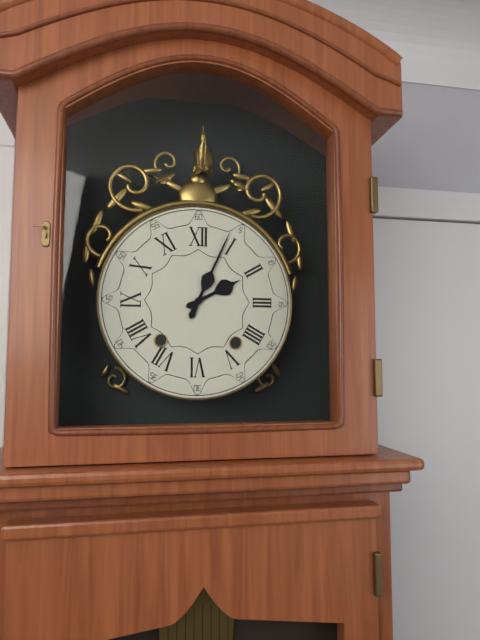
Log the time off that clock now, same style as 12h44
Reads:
2h04
